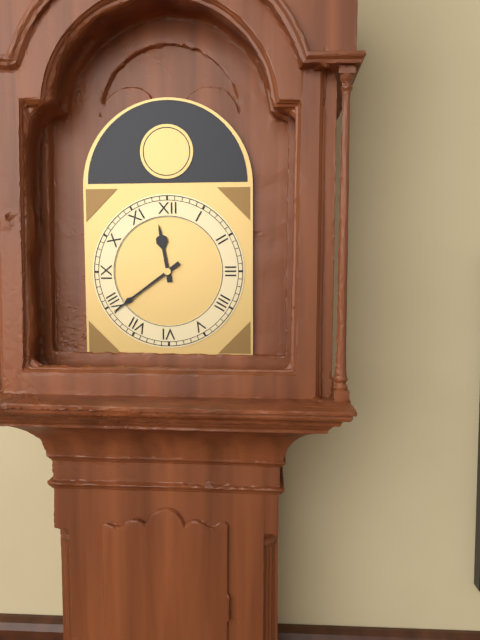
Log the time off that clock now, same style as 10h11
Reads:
11h39
